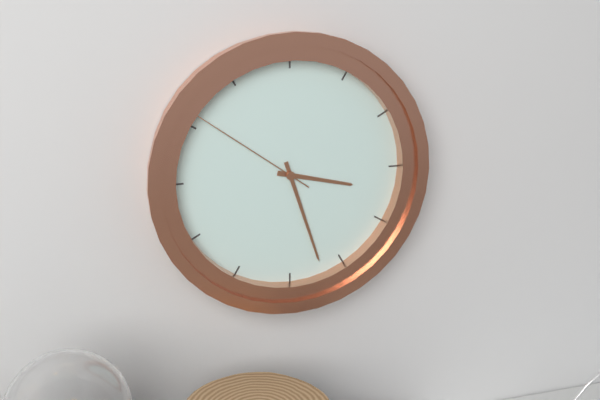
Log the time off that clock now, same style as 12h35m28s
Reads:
3h27m51s
